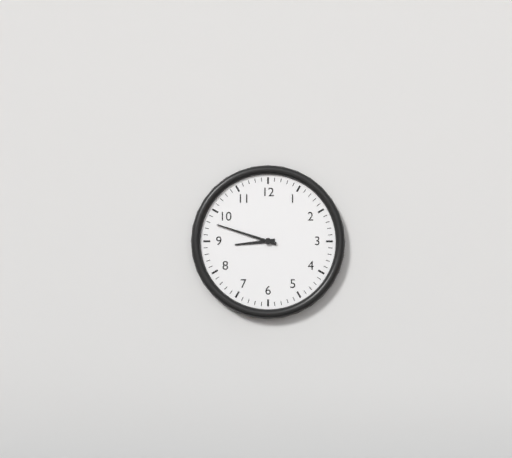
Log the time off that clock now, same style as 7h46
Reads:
8h48
